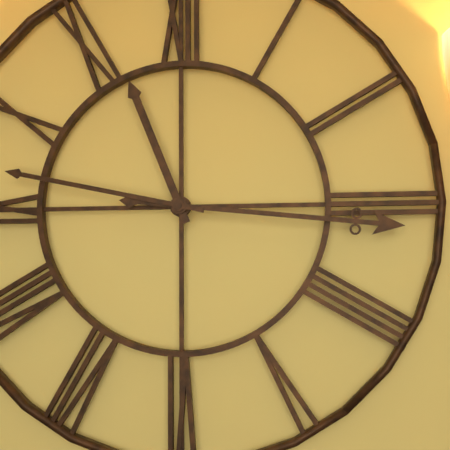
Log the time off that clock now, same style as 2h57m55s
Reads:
11h16m47s
